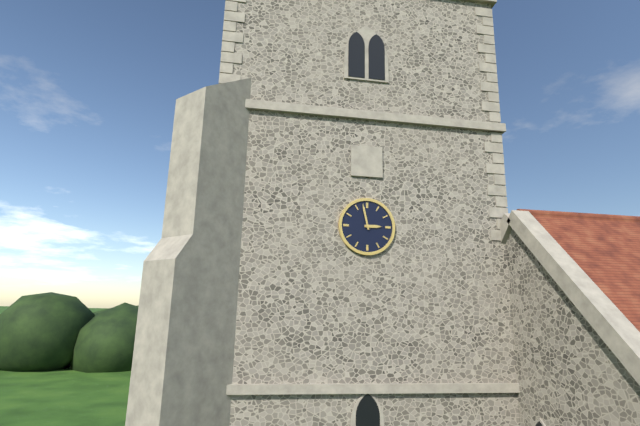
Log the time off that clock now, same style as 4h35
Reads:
2h58
